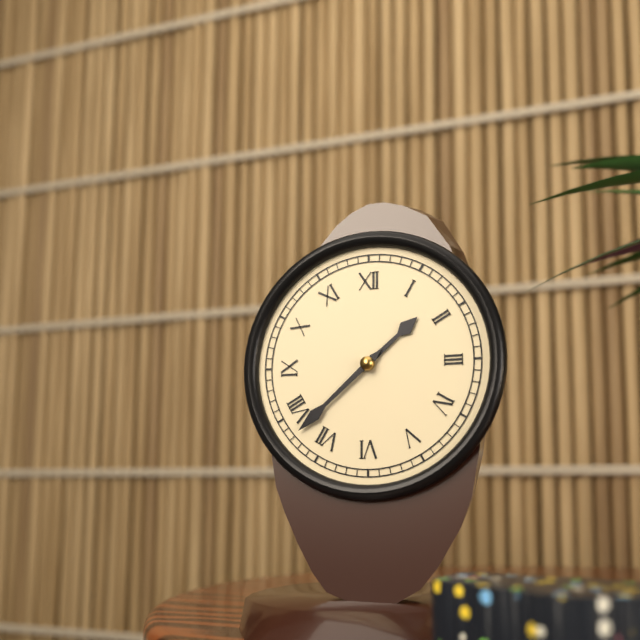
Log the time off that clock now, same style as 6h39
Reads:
1h38
